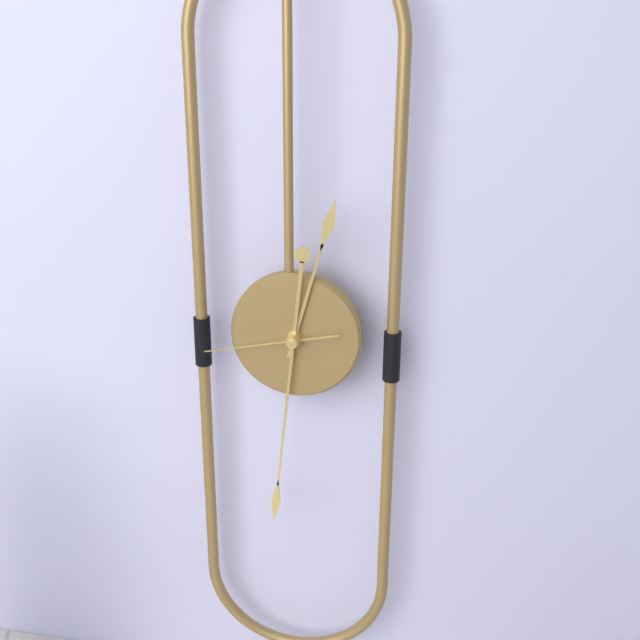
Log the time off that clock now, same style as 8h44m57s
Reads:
12h31m43s
